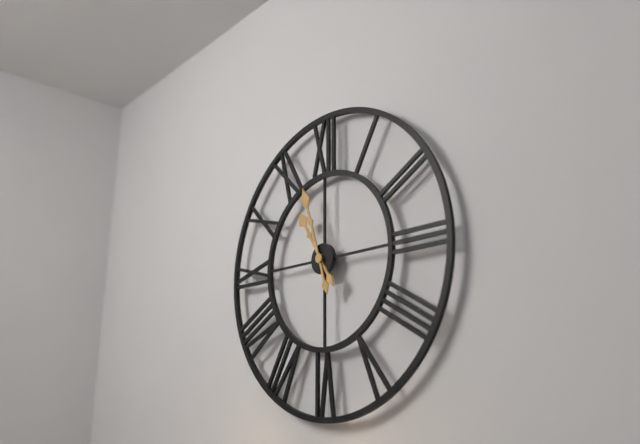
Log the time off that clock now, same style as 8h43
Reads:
10h57
